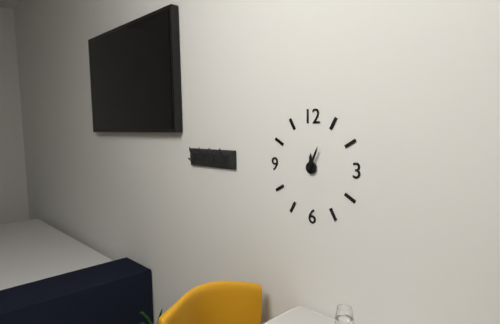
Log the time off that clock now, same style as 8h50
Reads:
12h04
